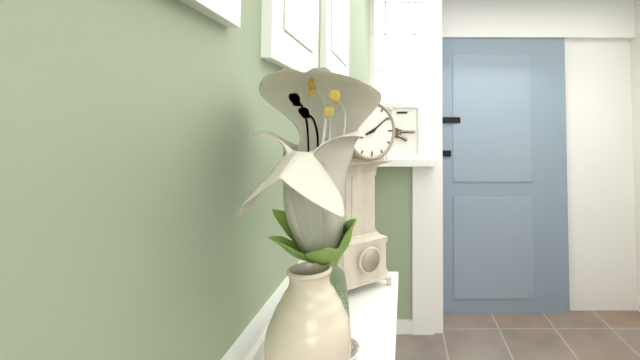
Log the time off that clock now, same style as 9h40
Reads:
8h09
